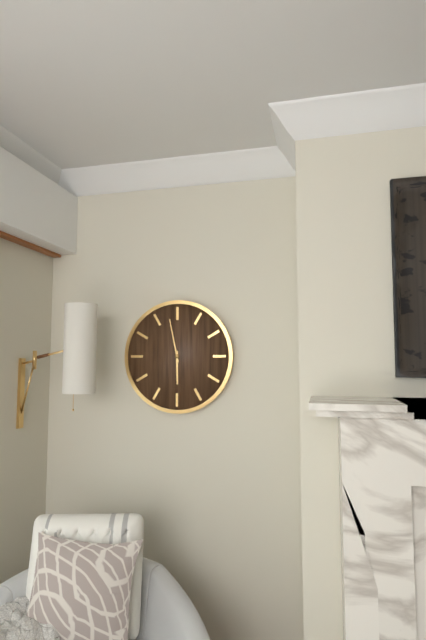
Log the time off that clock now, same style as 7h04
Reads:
5h58
